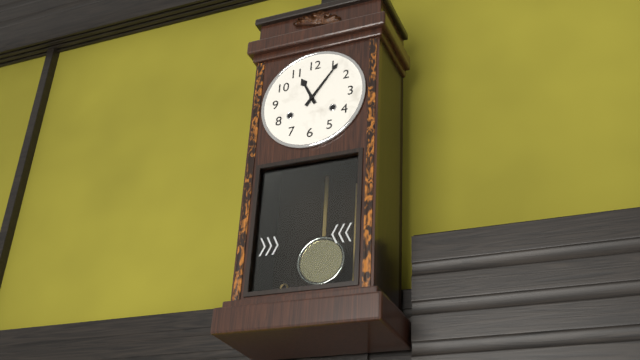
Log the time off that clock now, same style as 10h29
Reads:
11h06
